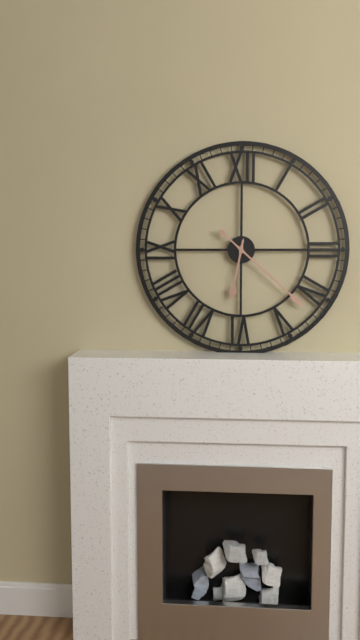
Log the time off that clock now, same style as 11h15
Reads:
6h22
